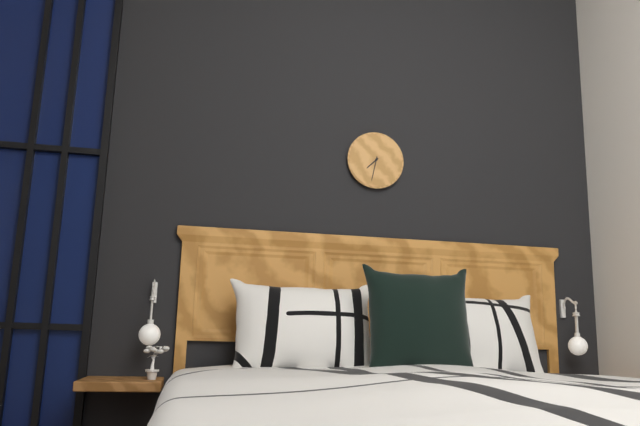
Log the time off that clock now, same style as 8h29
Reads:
7h32
